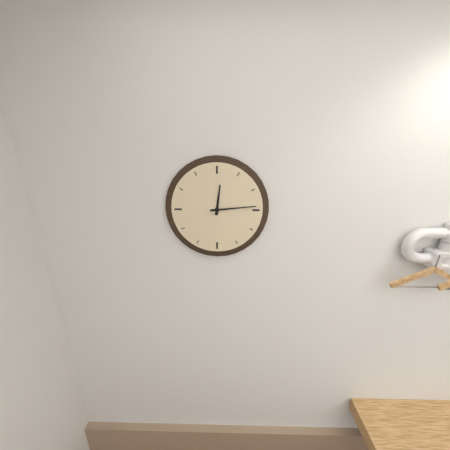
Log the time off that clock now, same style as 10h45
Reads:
12h14
